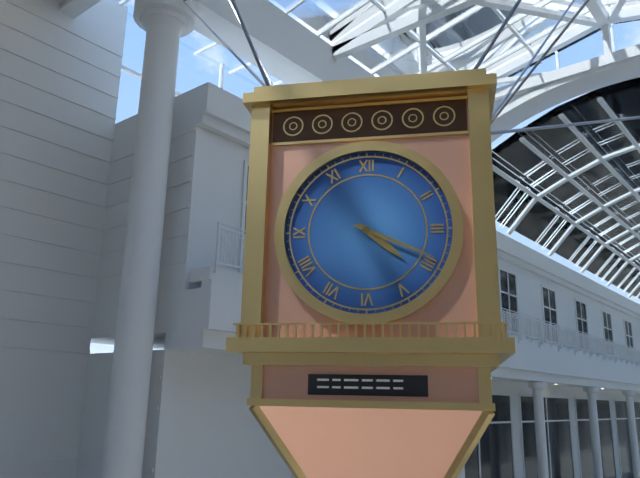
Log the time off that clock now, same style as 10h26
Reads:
4h19
